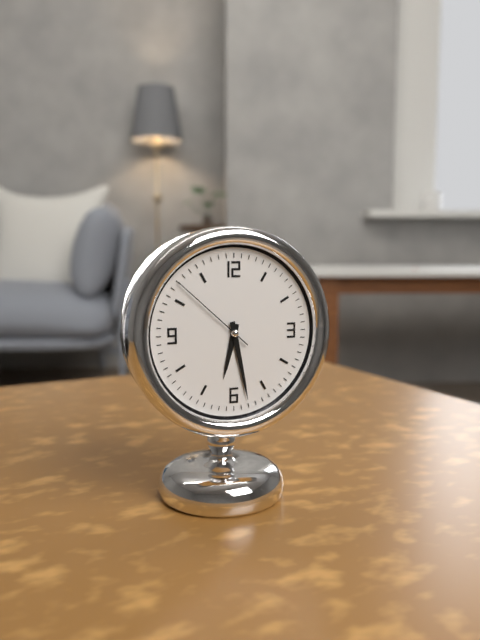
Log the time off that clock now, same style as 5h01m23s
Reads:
6h28m52s
